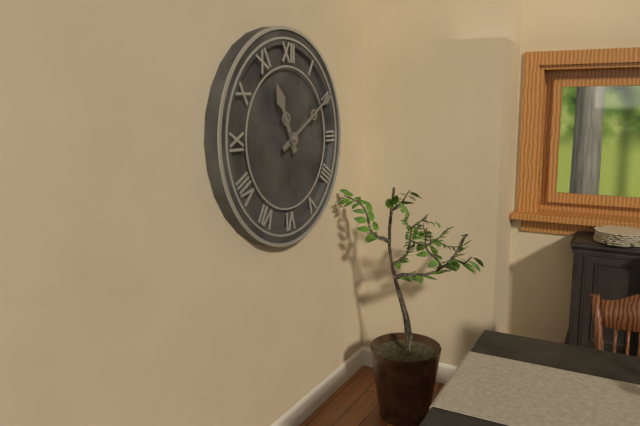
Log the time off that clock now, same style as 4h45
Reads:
11h10
